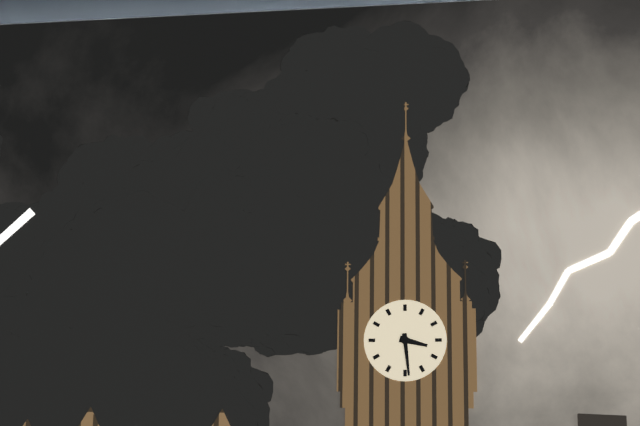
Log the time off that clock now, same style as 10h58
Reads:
3h29
